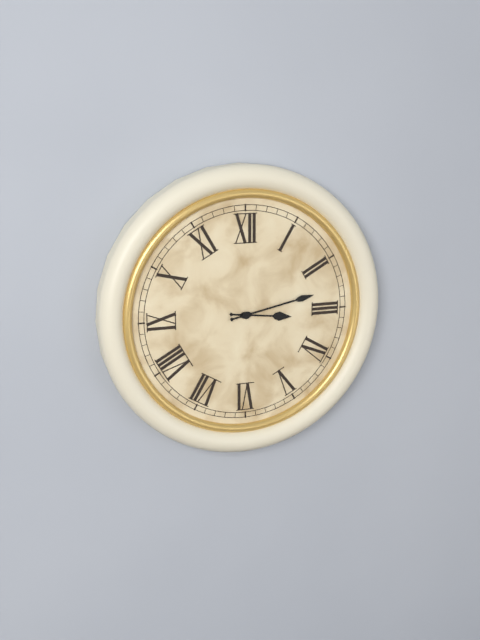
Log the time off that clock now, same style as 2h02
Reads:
3h13
